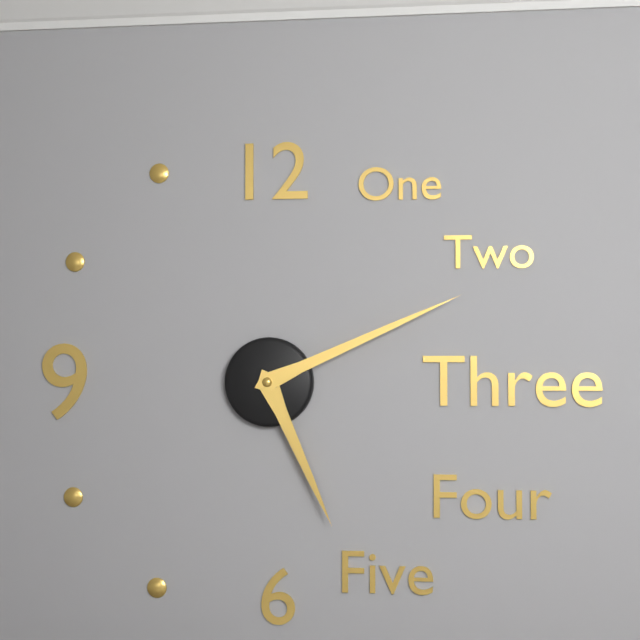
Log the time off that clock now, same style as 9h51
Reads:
5h11
